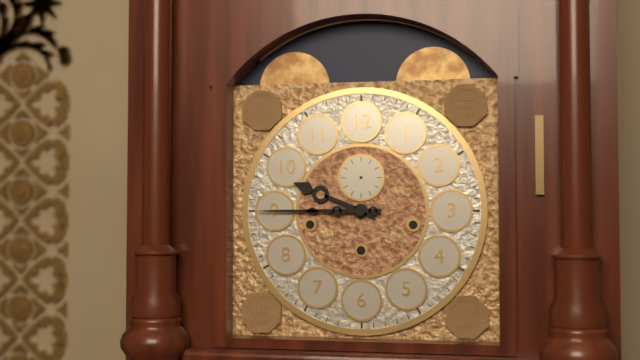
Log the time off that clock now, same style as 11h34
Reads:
9h45
